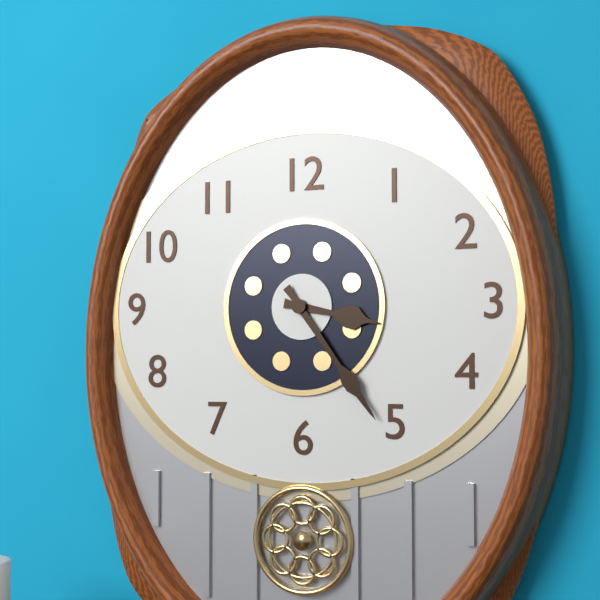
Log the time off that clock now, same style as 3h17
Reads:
3h24
